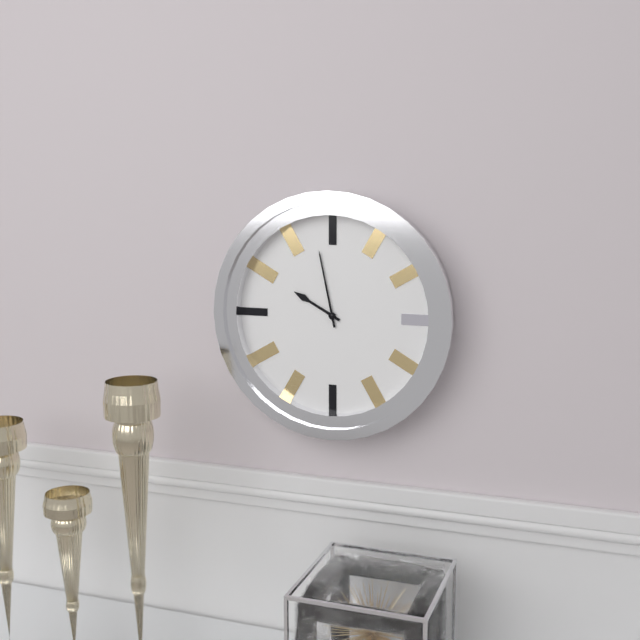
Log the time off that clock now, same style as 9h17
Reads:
9h58
